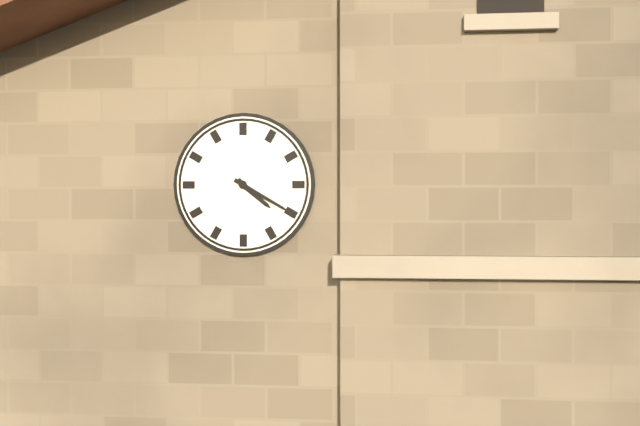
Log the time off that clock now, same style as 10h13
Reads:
4h20
